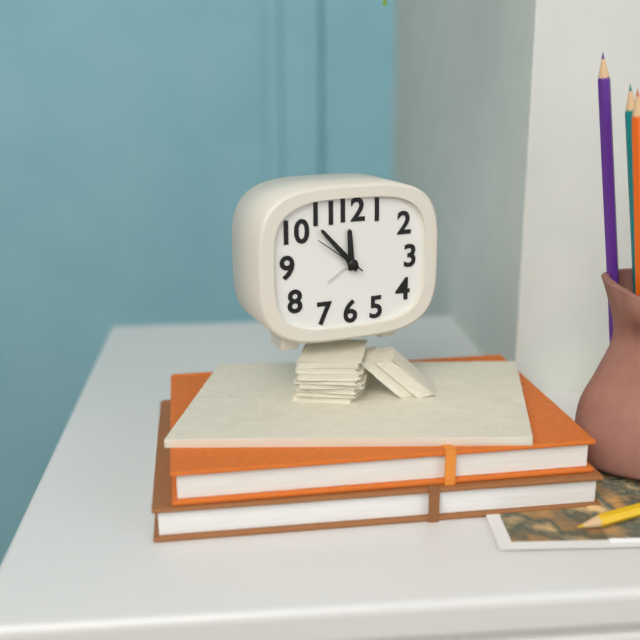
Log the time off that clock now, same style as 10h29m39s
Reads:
11h53m51s
